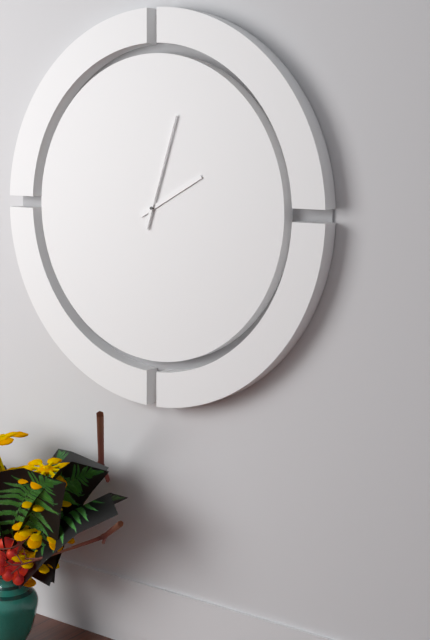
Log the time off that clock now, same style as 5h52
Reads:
2h03
